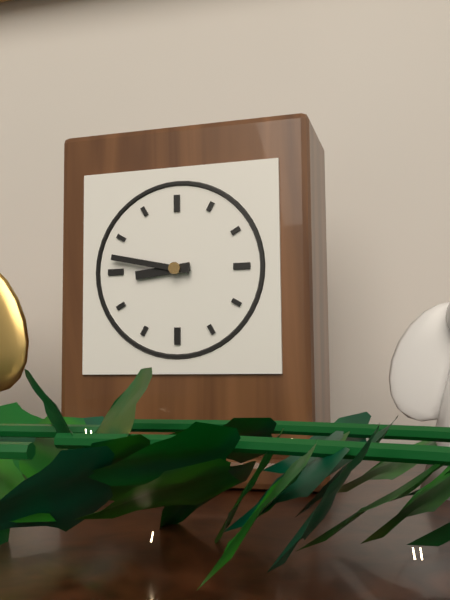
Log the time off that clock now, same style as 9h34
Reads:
8h47
